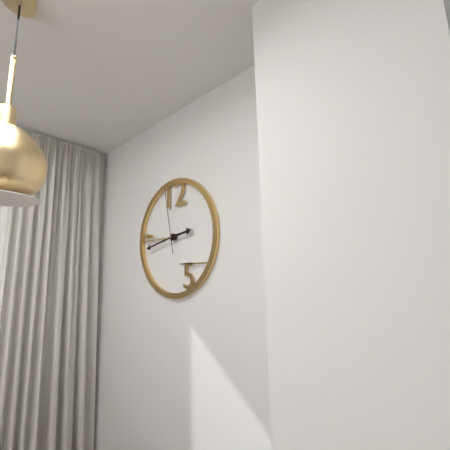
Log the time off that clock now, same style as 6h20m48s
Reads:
2h43m58s
